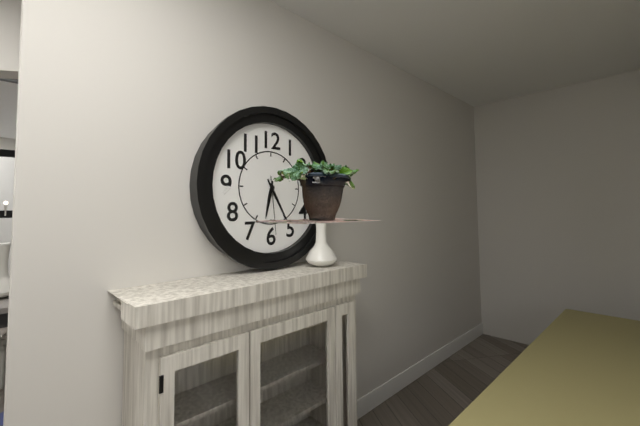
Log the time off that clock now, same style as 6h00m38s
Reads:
6h25m29s
